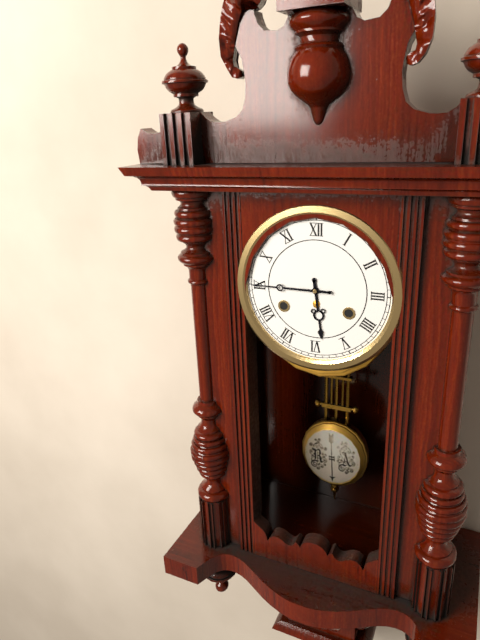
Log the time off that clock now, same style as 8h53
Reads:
5h45
